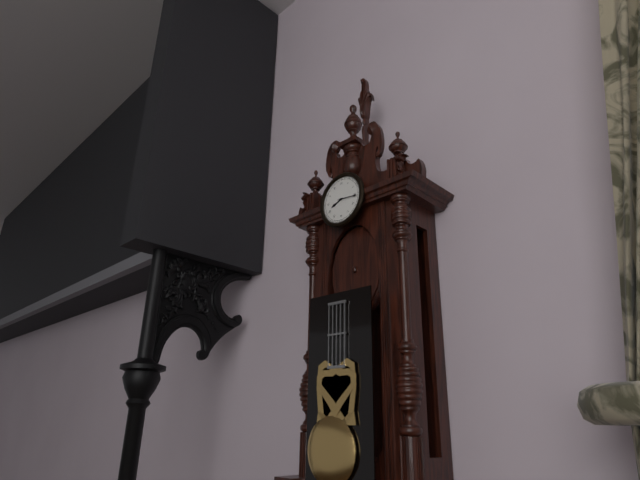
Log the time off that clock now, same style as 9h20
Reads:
8h16
